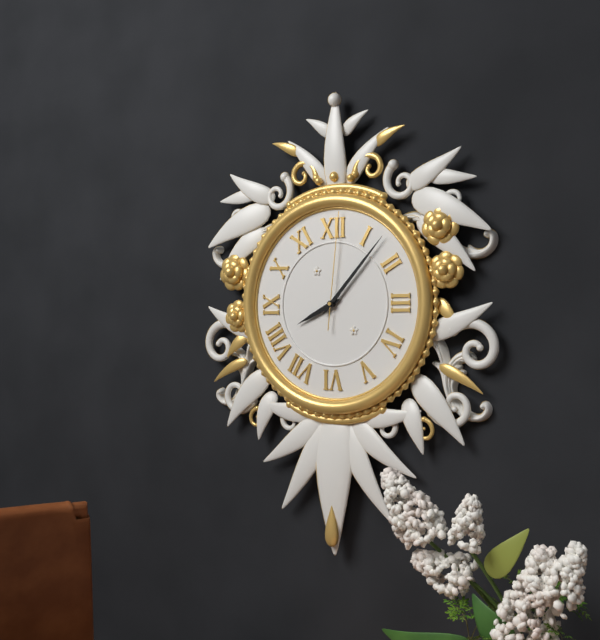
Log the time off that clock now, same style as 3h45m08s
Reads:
8h07m01s
